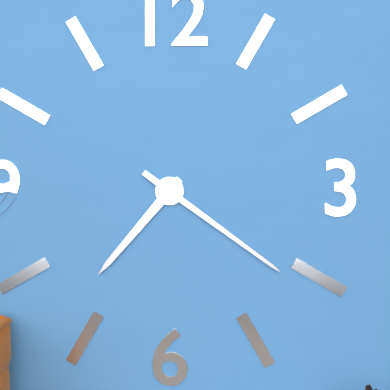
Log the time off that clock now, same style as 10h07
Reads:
7h21
